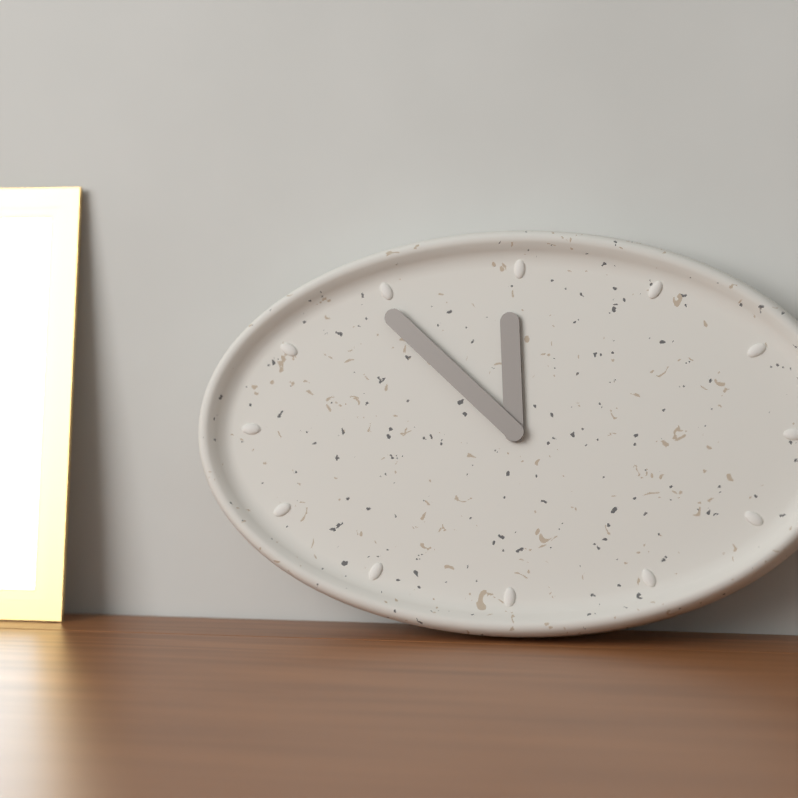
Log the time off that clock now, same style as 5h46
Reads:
11h52
